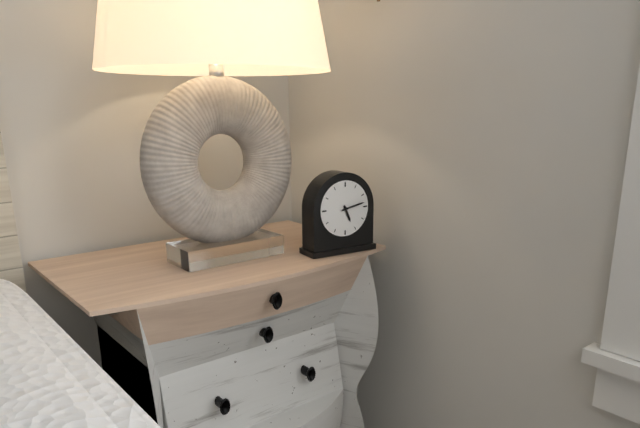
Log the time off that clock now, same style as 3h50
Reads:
5h13
